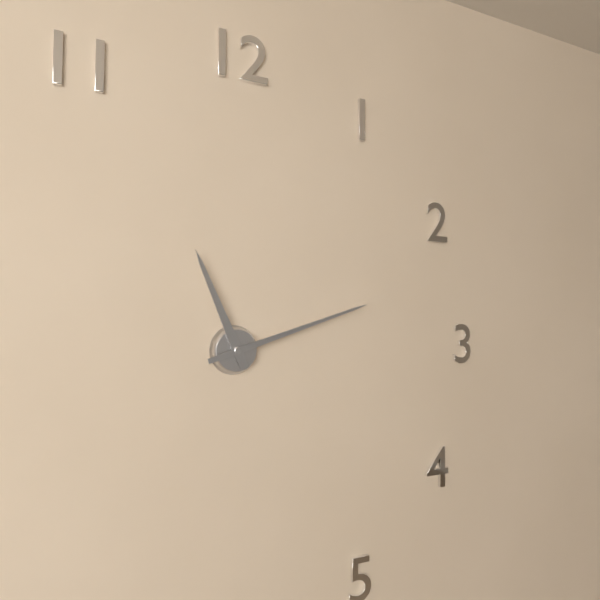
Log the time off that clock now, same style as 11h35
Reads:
11h12
